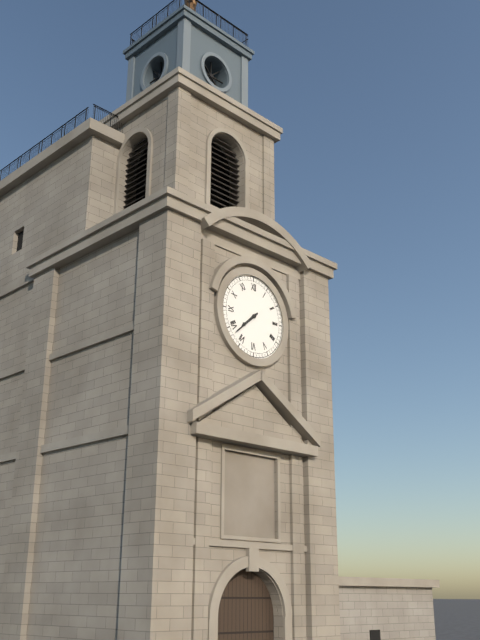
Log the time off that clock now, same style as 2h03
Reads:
7h38
